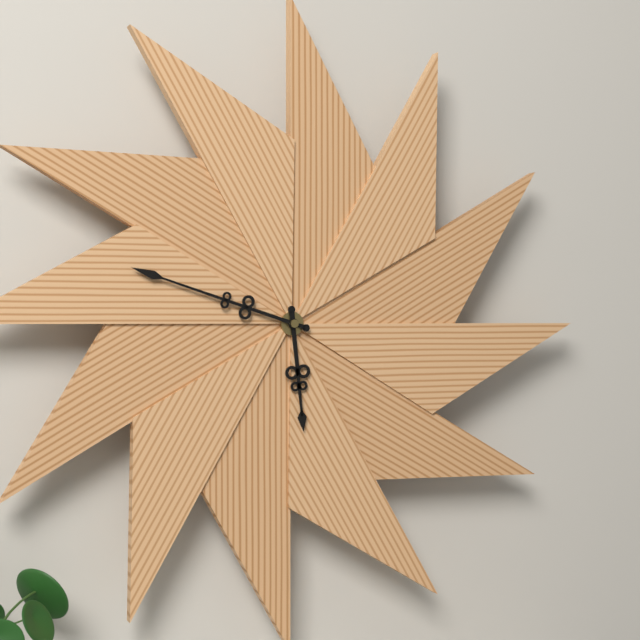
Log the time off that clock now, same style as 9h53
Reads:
5h48
